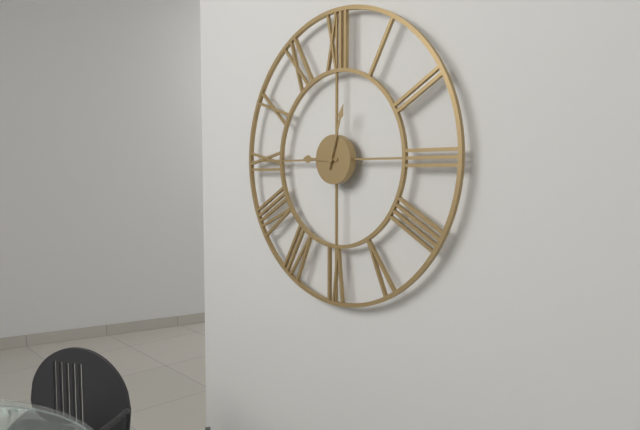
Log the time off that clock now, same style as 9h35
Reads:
9h03
